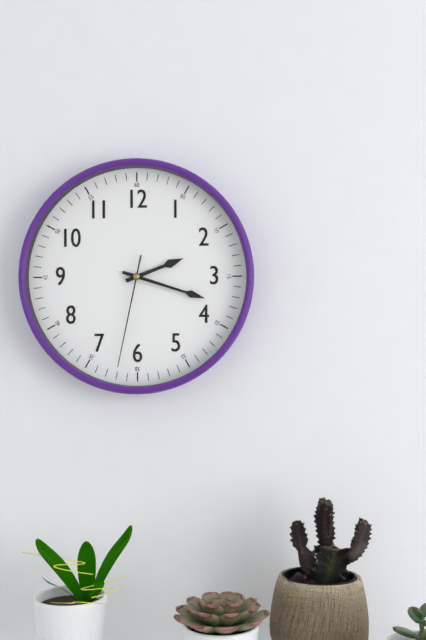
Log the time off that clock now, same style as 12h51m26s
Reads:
2h18m32s
